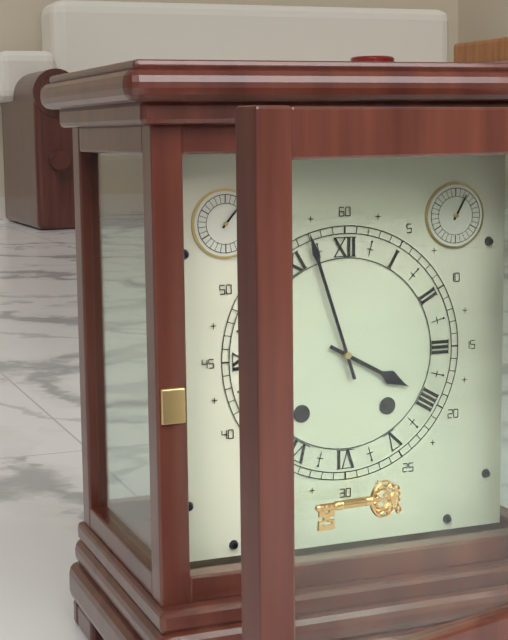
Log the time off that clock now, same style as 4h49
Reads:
3h57
